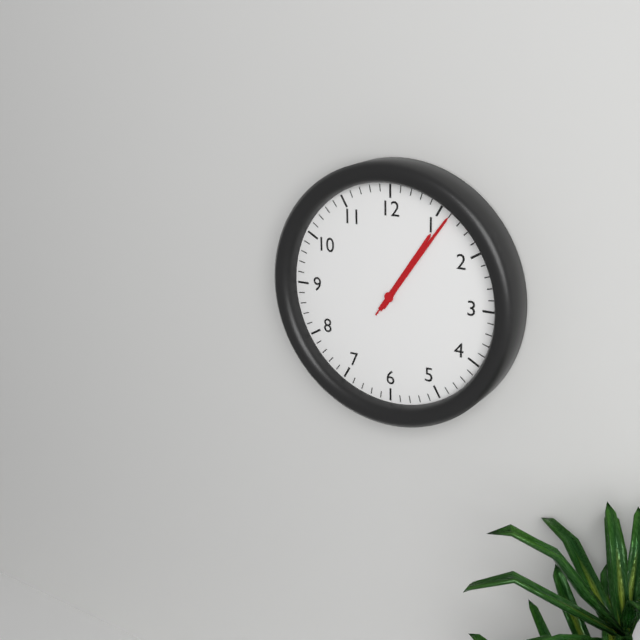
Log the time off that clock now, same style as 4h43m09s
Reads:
1h06m06s
